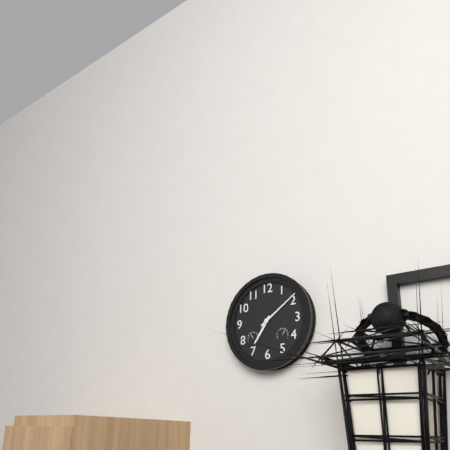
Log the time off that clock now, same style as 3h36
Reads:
7h09
